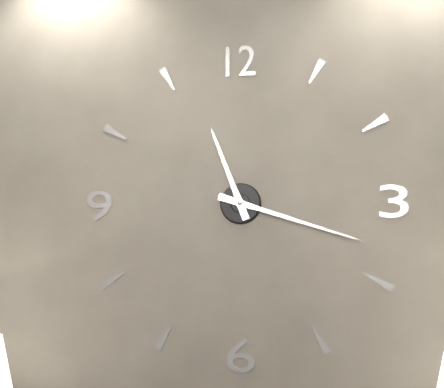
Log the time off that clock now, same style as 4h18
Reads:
11h18
